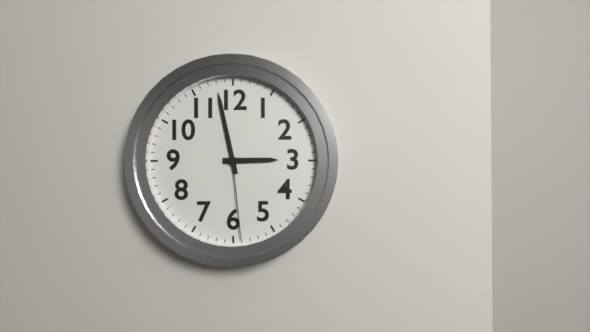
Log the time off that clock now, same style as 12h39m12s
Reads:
2h58m29s
